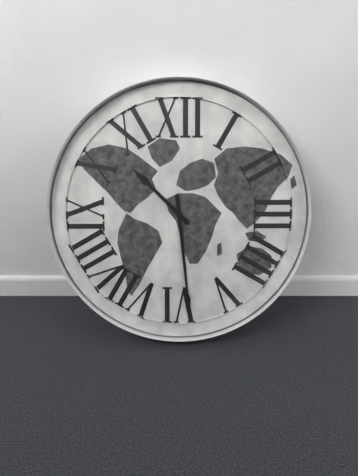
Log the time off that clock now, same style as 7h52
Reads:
10h29
